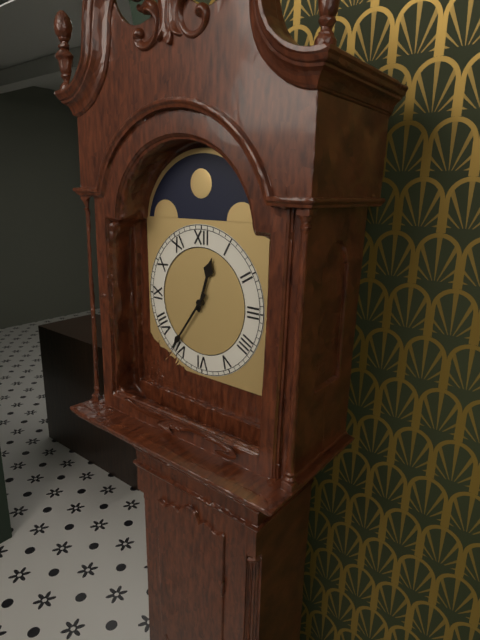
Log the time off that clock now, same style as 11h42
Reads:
12h36
